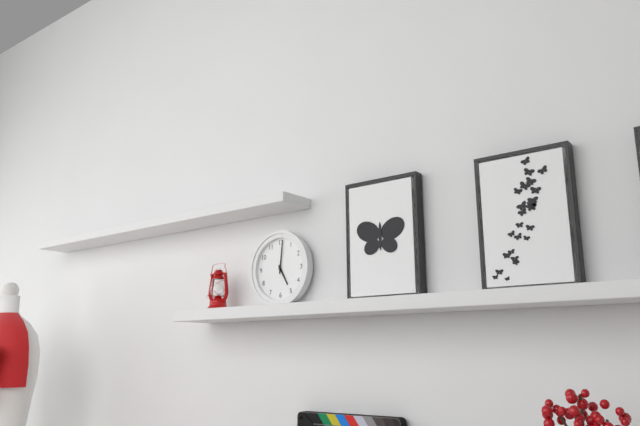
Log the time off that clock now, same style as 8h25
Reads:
5h01
